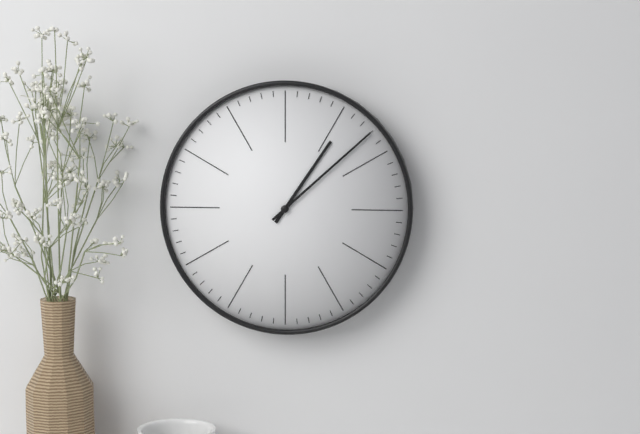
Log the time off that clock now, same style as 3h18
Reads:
1h08
